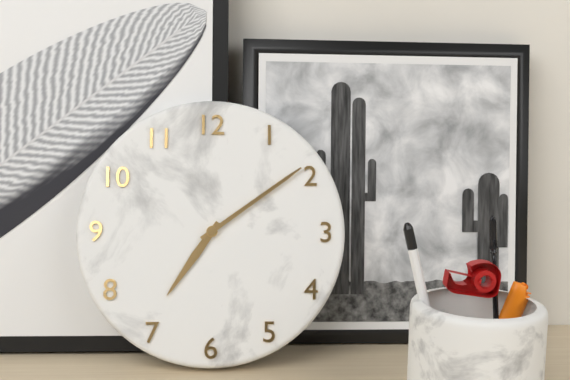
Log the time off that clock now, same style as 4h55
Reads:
7h09
